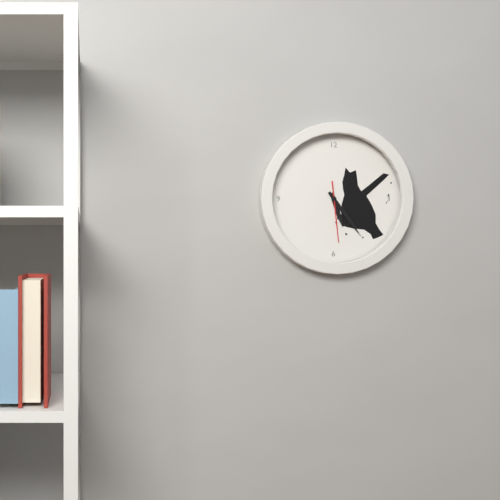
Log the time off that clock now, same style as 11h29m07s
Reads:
5h24m29s
